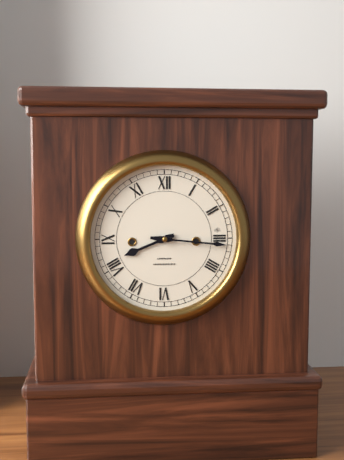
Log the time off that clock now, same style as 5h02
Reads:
8h16
